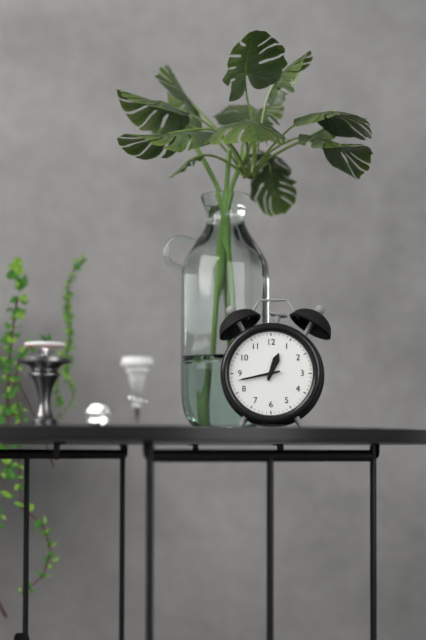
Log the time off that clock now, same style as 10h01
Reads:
12h43
